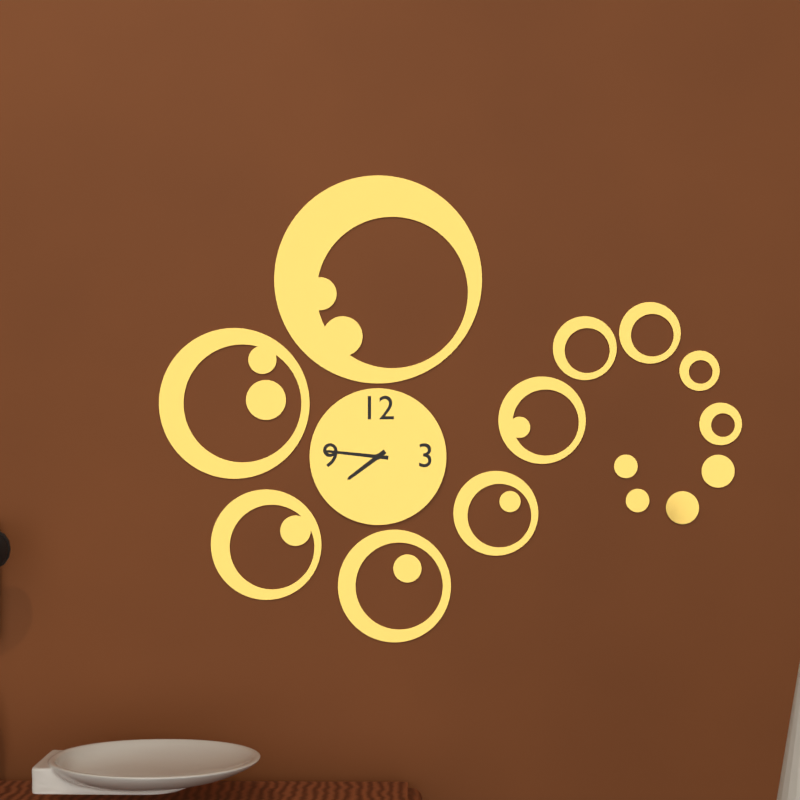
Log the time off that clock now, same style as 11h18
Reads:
7h46
